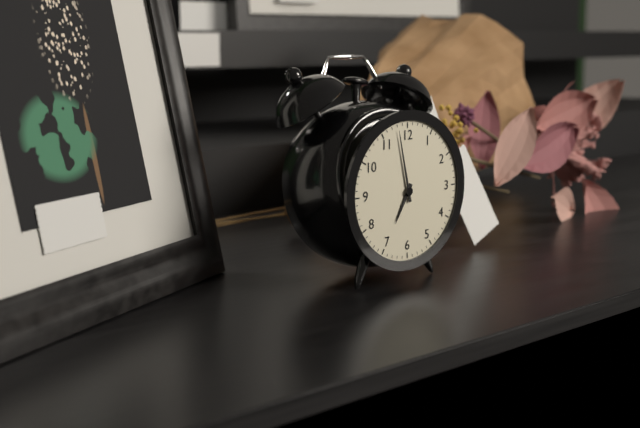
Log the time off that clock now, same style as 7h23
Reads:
6h58
